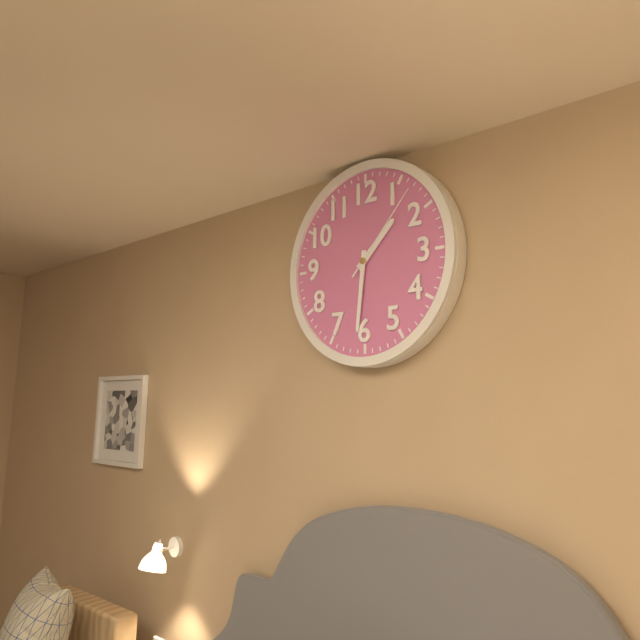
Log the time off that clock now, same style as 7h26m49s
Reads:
1h31m07s
